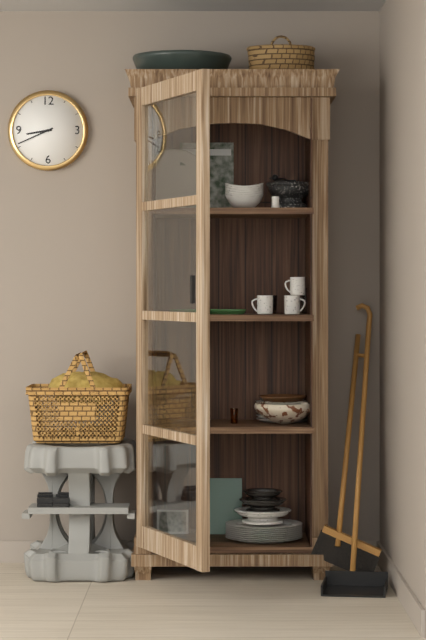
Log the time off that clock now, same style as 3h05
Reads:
8h41
